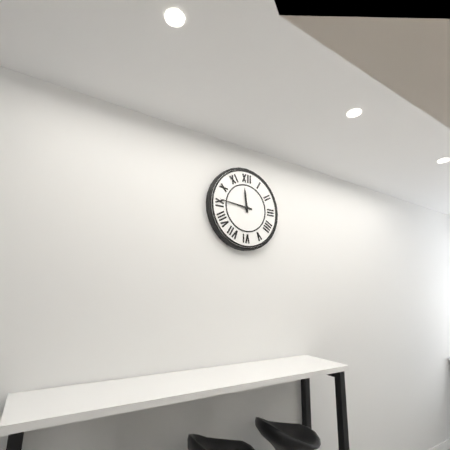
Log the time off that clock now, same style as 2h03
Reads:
11h46
